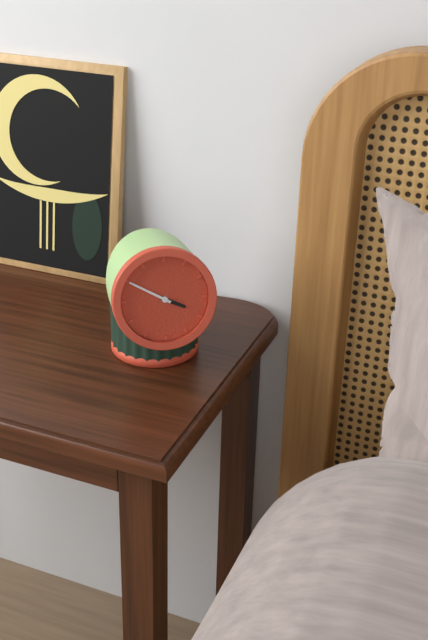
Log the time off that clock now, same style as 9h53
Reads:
3h50
